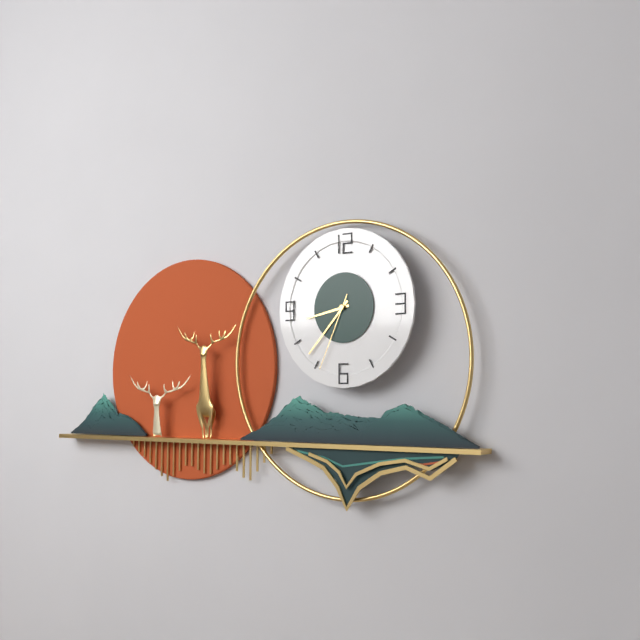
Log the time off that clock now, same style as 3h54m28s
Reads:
8h37m34s
